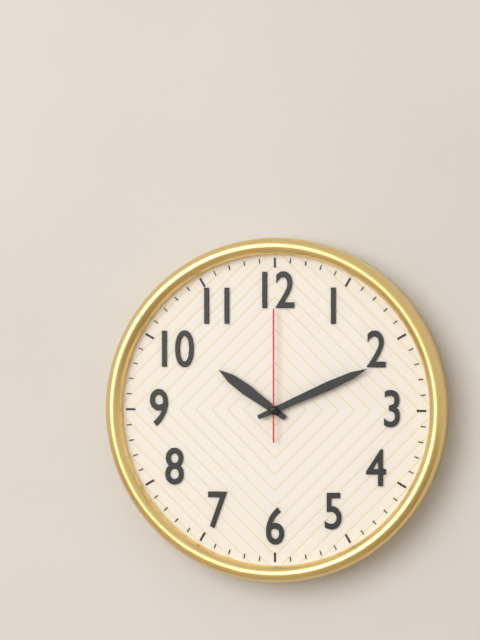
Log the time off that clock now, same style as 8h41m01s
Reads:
10h11m00s
